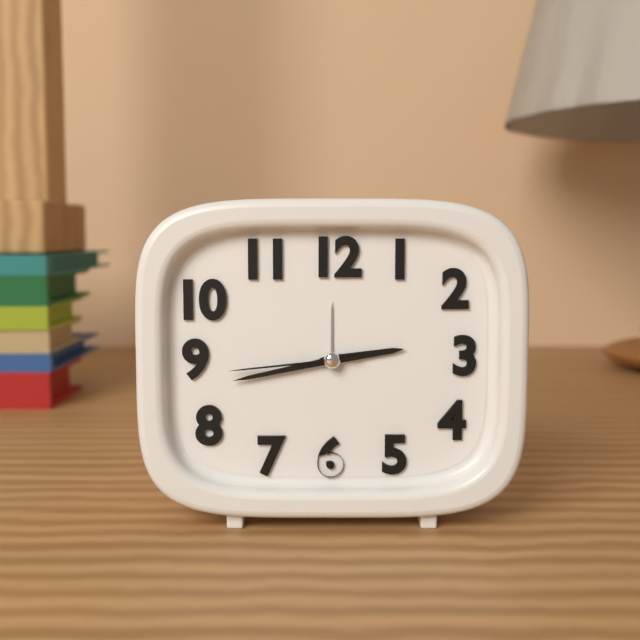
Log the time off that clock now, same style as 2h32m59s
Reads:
2h43m44s
